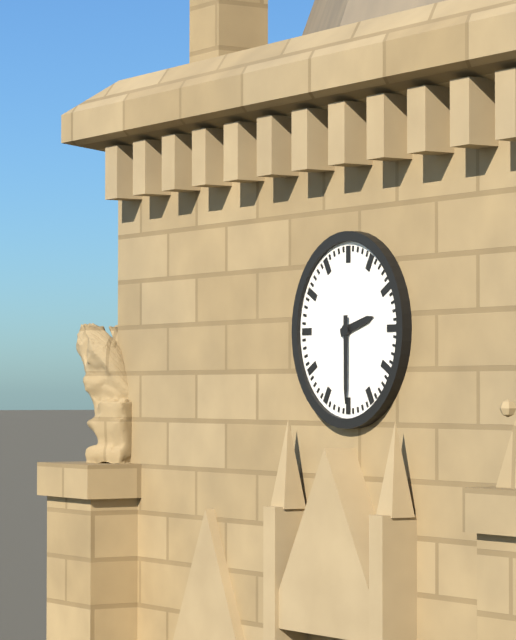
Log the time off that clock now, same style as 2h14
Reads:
2h30
